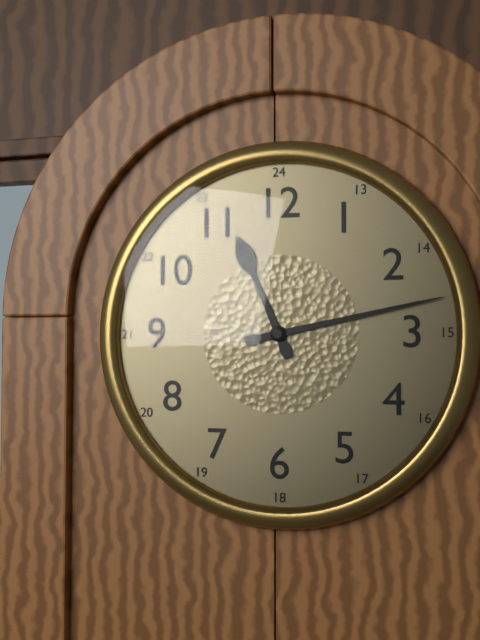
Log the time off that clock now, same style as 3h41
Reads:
11h13
